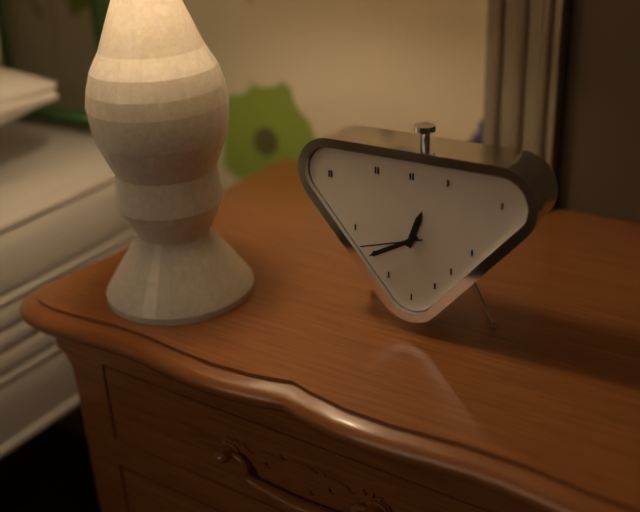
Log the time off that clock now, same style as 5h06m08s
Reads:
12h40m42s
